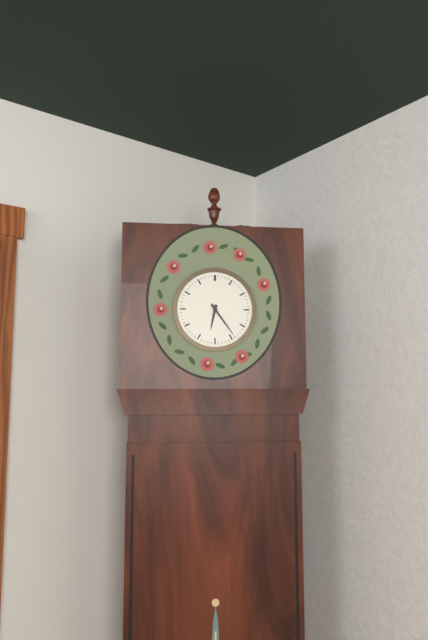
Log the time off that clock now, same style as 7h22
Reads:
6h24
